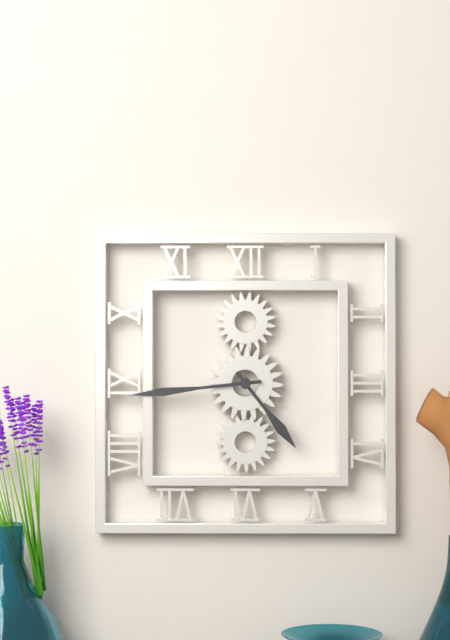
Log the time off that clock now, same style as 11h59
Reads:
4h44
